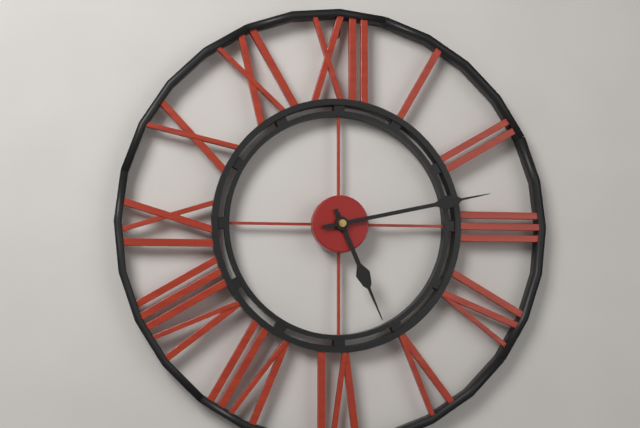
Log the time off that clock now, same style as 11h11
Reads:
5h13
